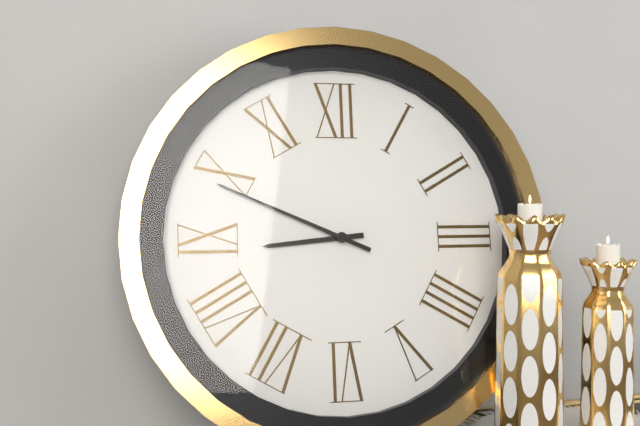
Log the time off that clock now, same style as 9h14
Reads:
8h49
